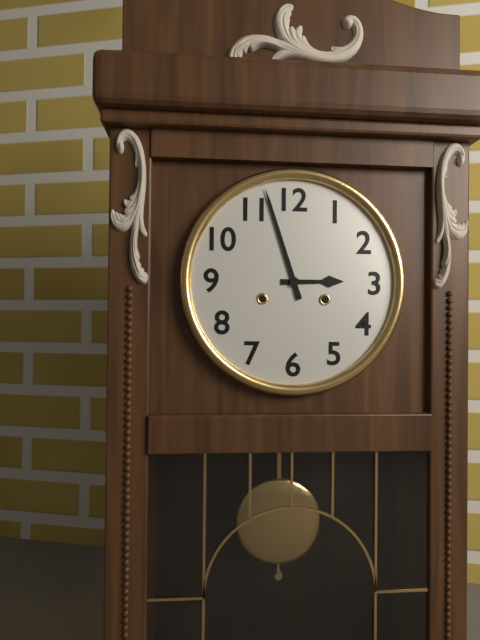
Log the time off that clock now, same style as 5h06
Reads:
2h57
